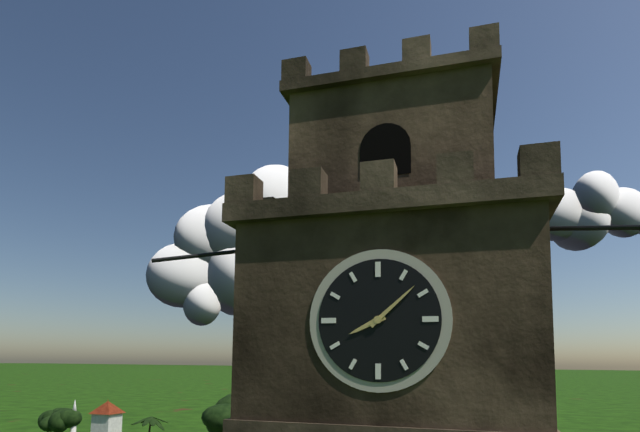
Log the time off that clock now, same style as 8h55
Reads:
8h08
